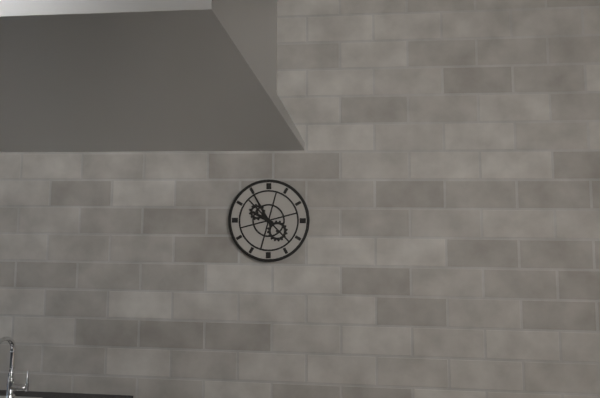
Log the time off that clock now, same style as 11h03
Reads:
9h55
